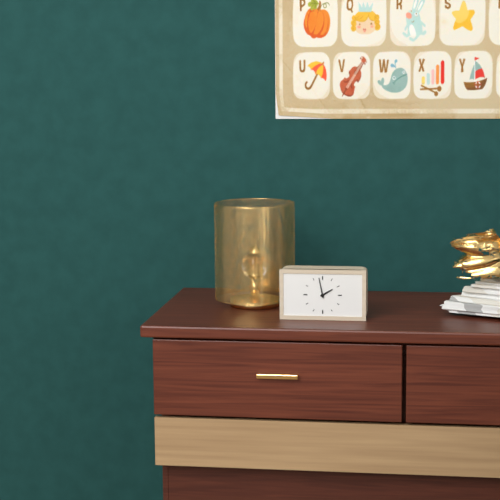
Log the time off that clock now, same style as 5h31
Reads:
1h58
